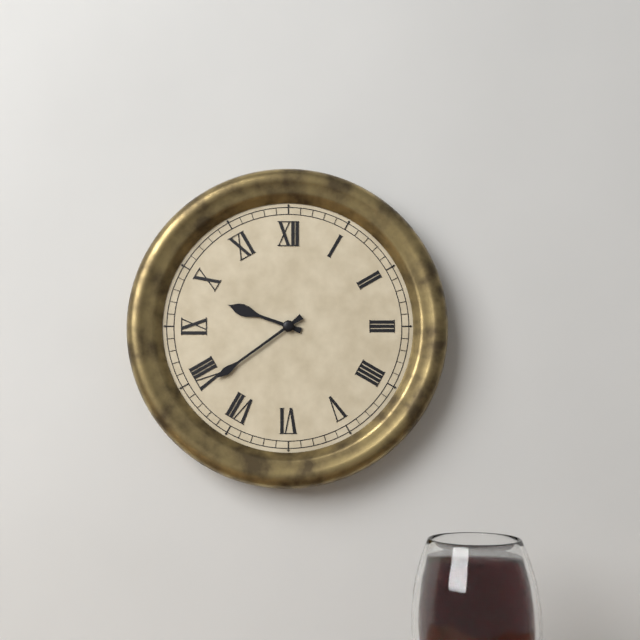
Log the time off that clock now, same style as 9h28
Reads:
9h39
